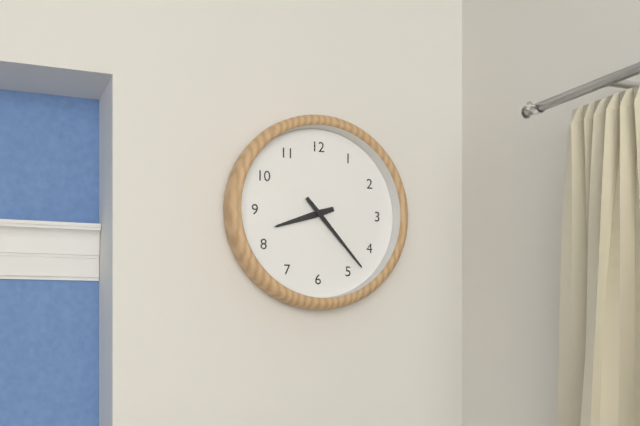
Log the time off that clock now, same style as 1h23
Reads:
8h23
